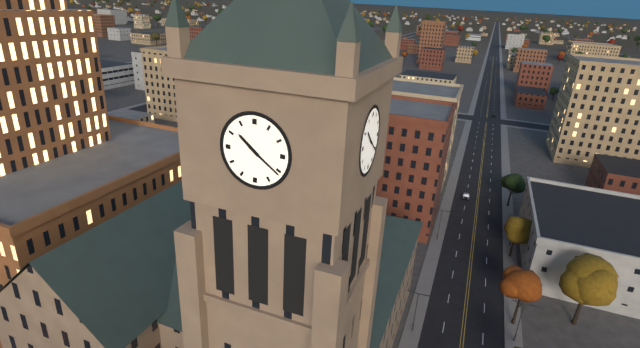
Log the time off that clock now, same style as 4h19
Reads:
10h21
